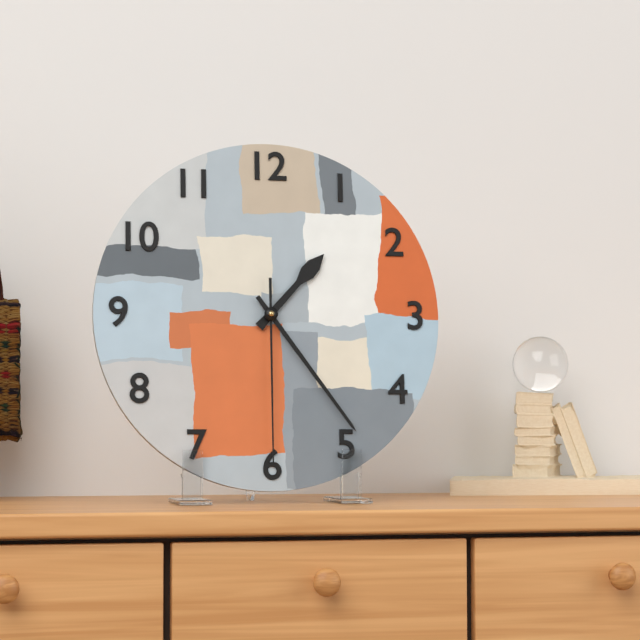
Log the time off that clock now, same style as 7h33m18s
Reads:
1h24m30s
